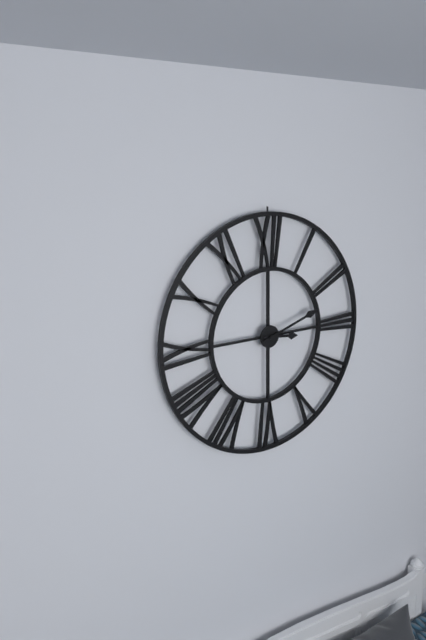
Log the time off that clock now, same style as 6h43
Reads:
3h12
